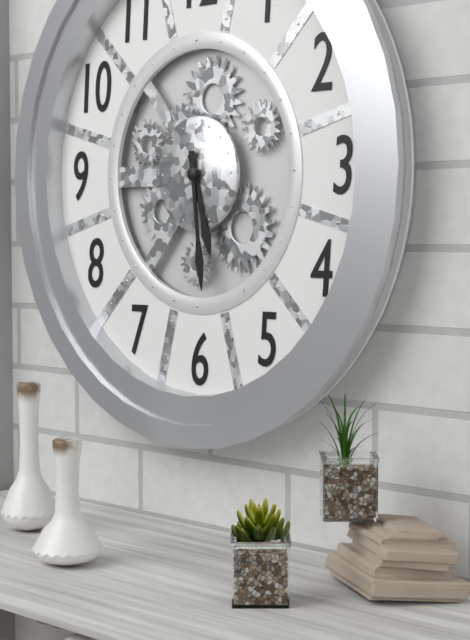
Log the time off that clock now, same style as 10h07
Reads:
5h29
